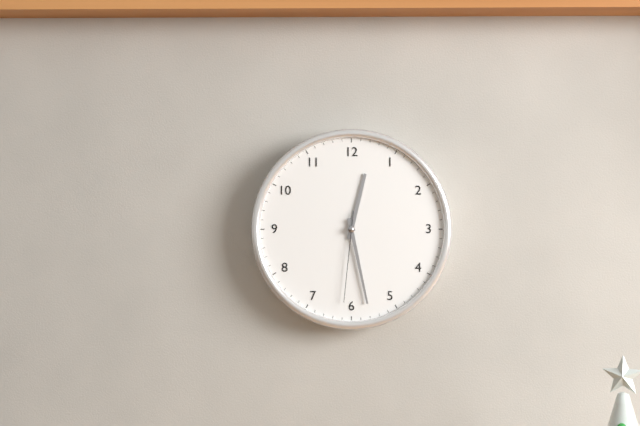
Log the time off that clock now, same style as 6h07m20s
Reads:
12h28m31s
